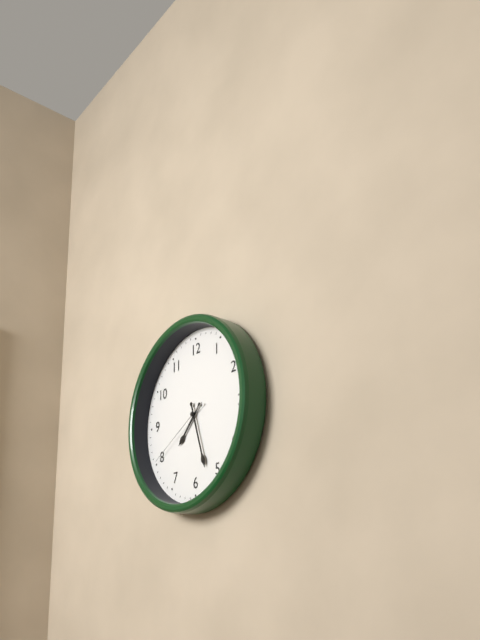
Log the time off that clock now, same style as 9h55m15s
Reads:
7h27m40s
